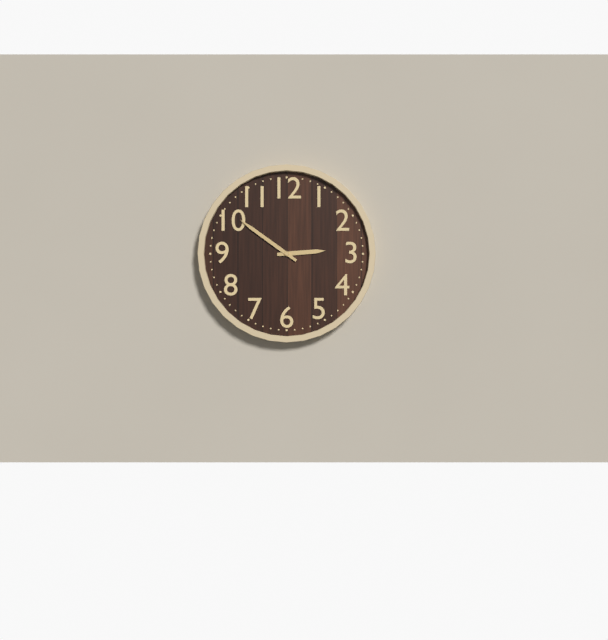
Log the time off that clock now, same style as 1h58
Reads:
2h51
